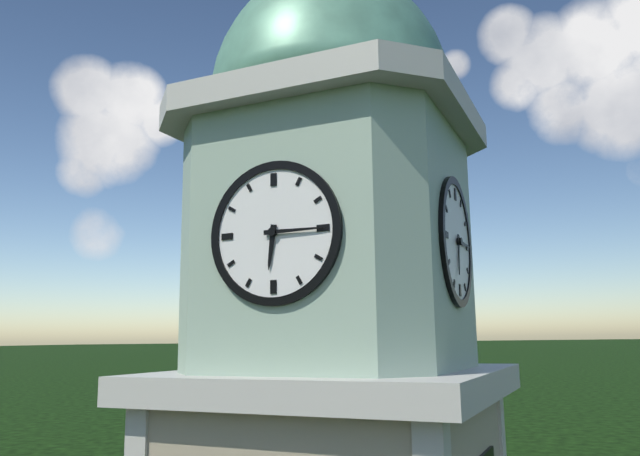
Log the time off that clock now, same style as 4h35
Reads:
6h15
